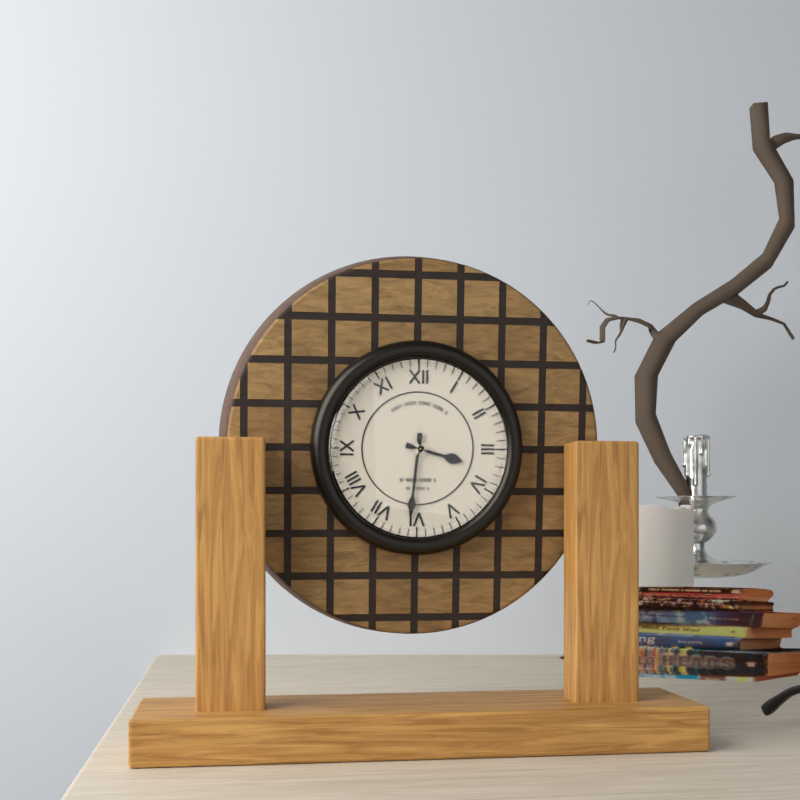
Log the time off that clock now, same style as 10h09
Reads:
3h31
